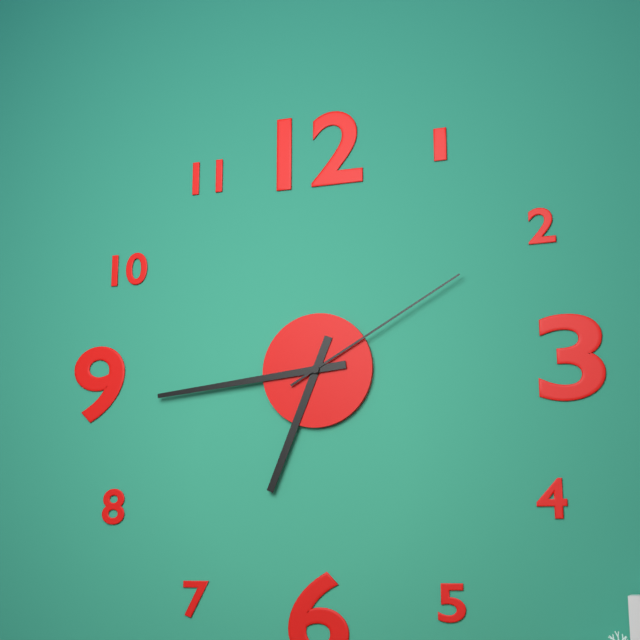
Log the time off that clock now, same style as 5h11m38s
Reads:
6h44m10s
